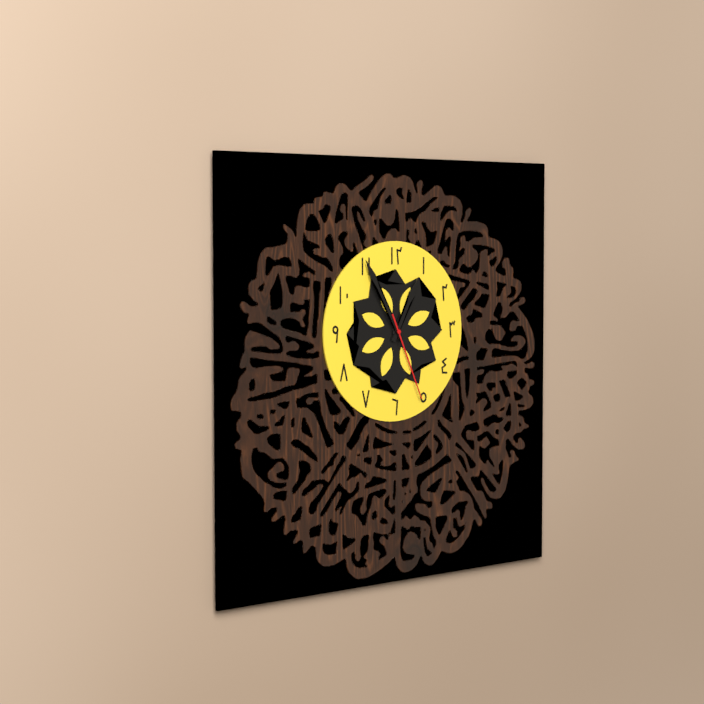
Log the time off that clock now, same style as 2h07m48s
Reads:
12h55m26s
